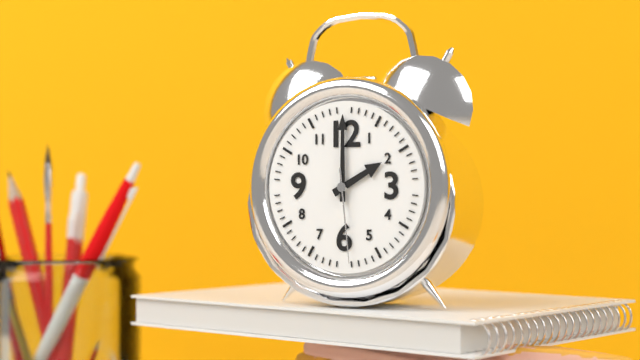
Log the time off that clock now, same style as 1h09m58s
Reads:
2h00m29s
